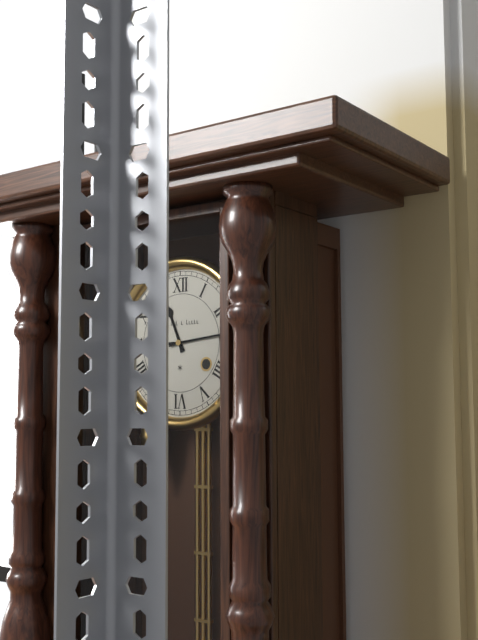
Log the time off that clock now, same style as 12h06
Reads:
11h14
